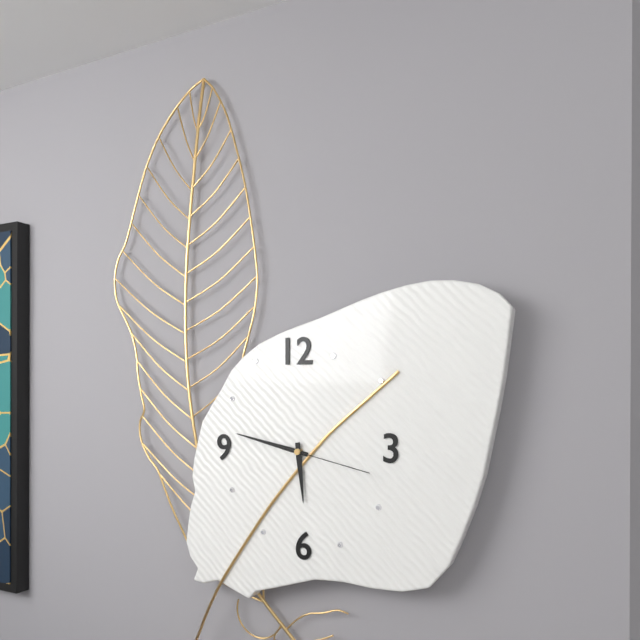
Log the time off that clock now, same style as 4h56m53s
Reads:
5h47m17s
